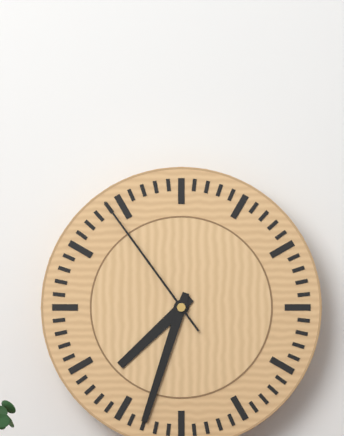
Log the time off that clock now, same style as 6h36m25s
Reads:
7h33m54s
